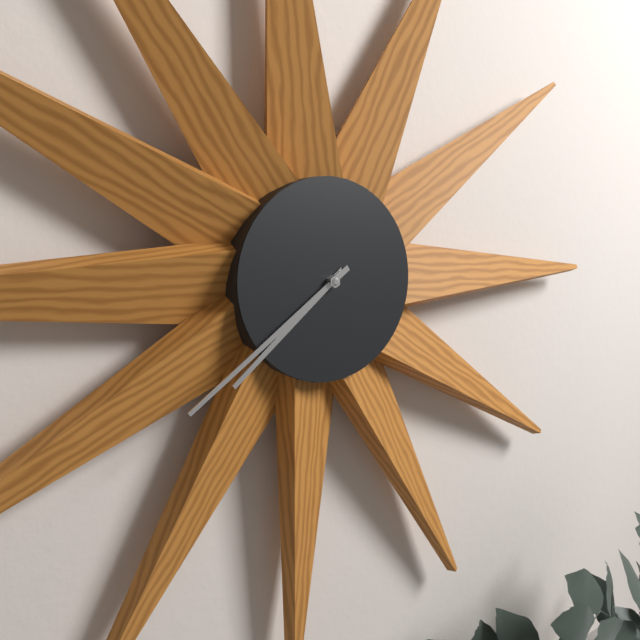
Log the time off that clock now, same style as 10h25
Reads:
7h39
